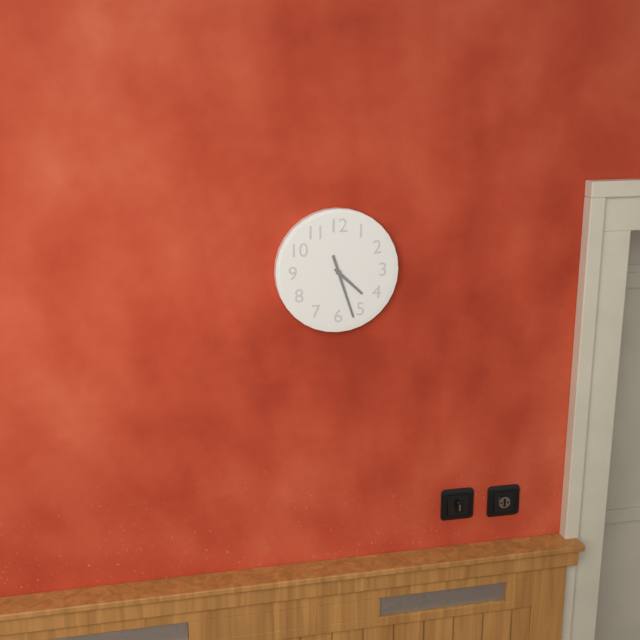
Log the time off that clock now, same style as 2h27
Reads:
4h27
